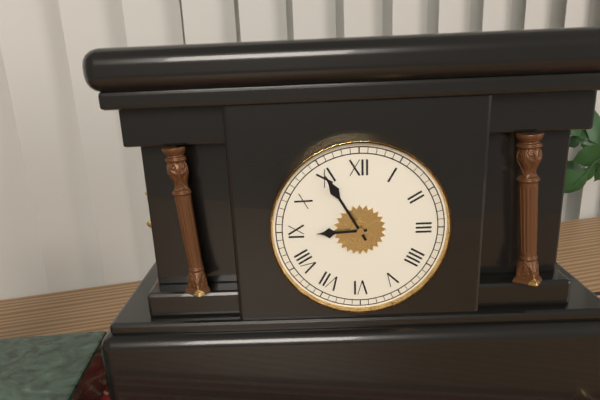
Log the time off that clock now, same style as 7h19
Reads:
8h55
